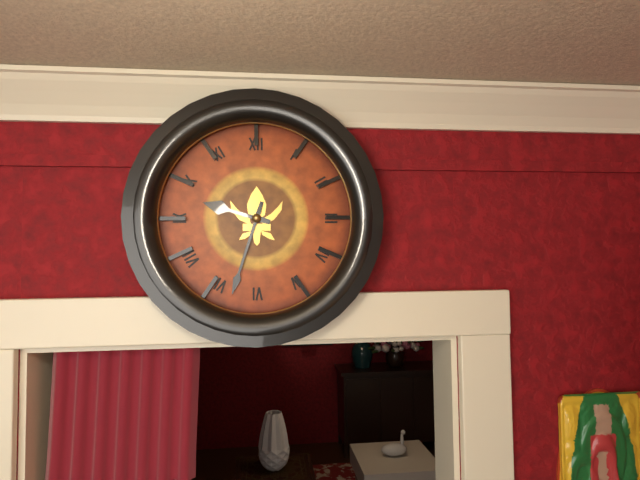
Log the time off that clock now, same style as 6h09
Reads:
9h33
